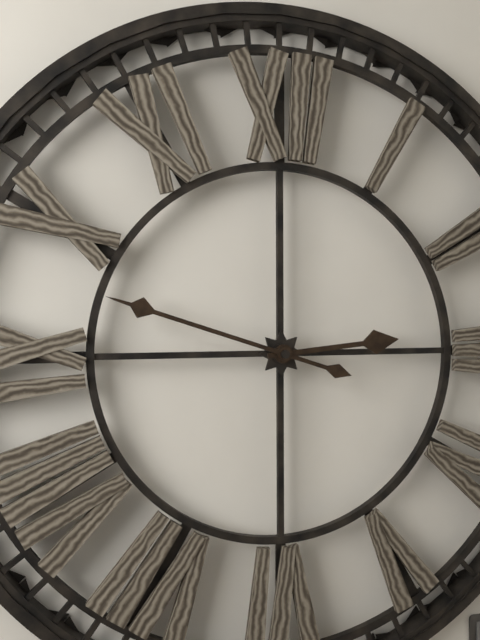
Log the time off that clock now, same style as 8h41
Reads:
2h48
